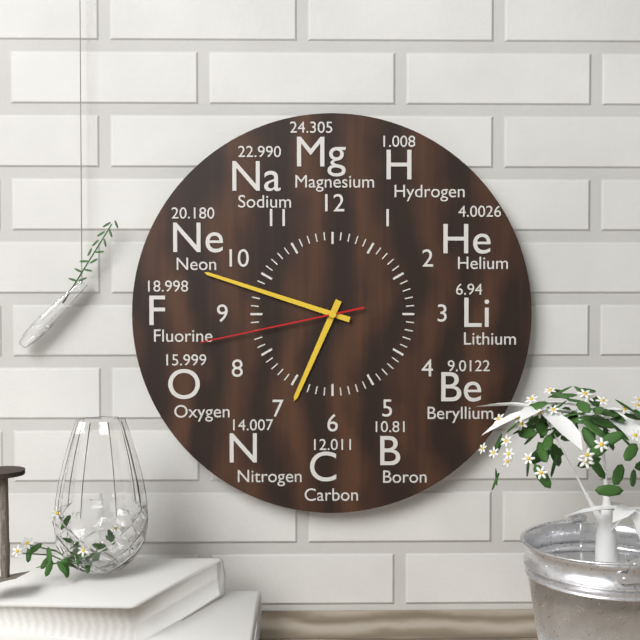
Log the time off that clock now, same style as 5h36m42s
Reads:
6h48m43s
